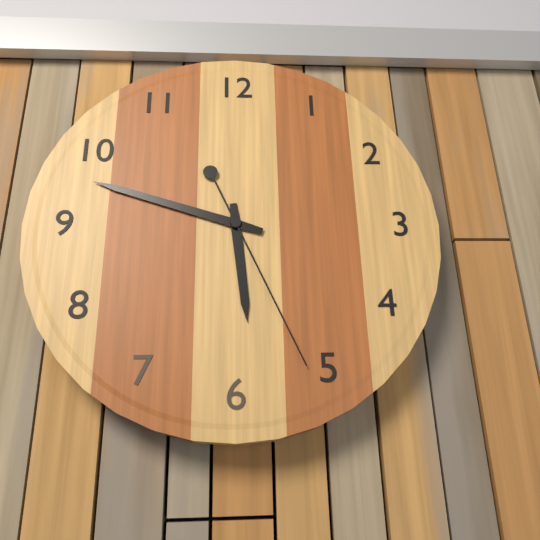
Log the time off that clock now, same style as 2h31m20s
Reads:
5h48m26s
